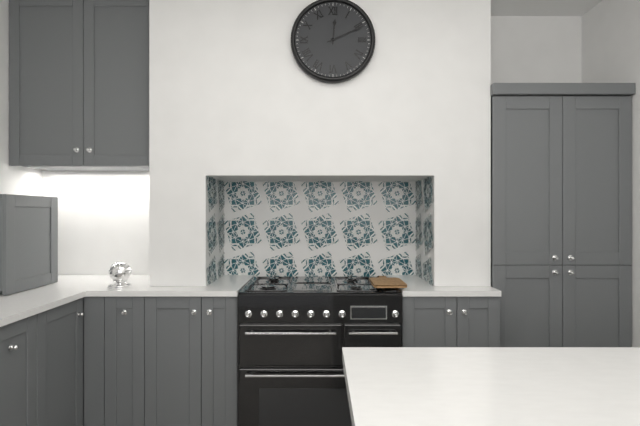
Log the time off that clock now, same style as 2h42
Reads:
12h11
